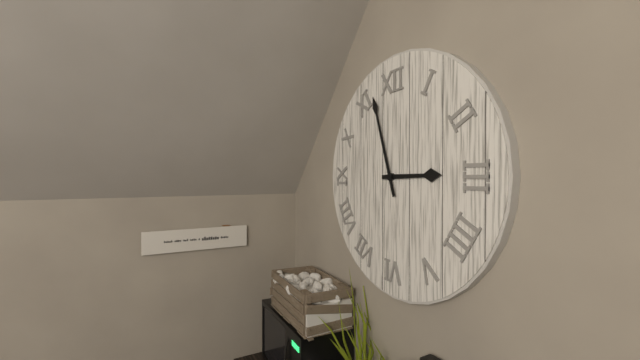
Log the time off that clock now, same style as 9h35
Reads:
2h57
